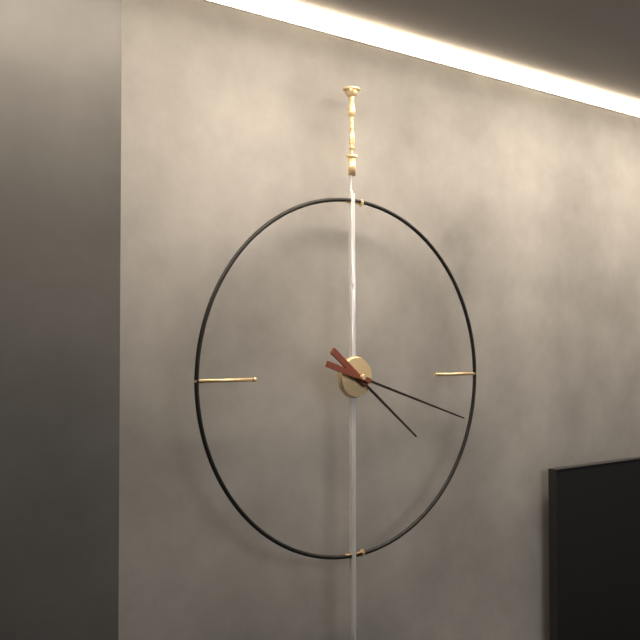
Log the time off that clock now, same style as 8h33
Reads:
4h18
